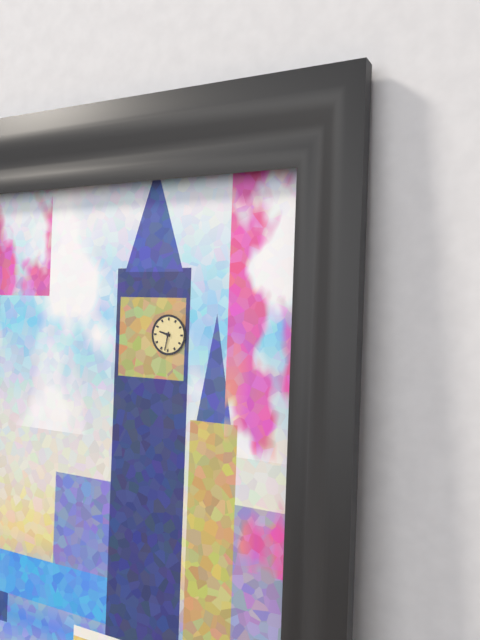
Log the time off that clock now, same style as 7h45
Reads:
9h32
